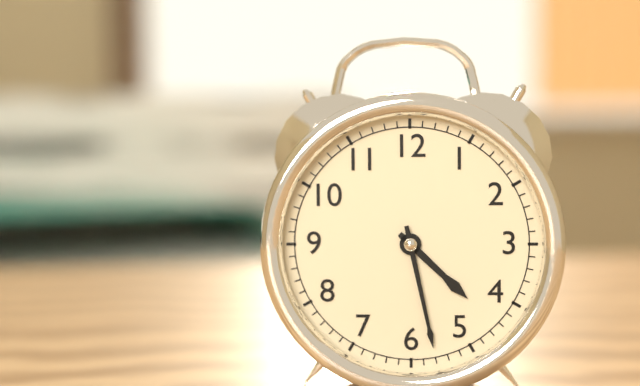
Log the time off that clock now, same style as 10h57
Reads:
4h28
